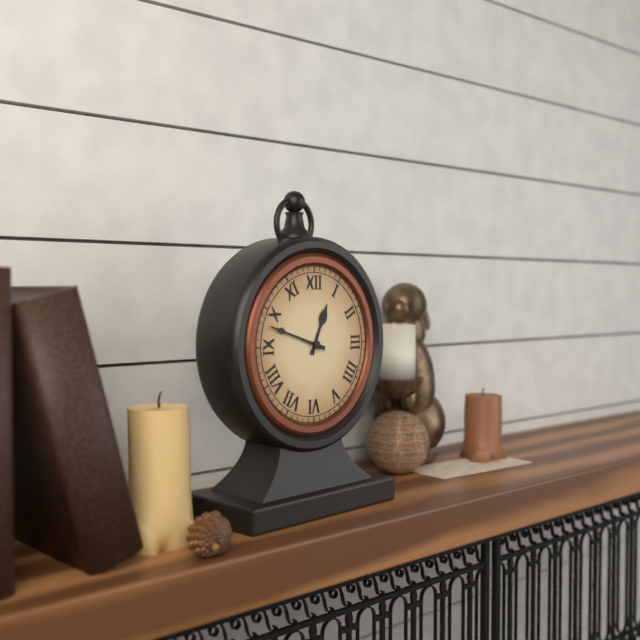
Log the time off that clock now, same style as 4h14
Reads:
12h48
